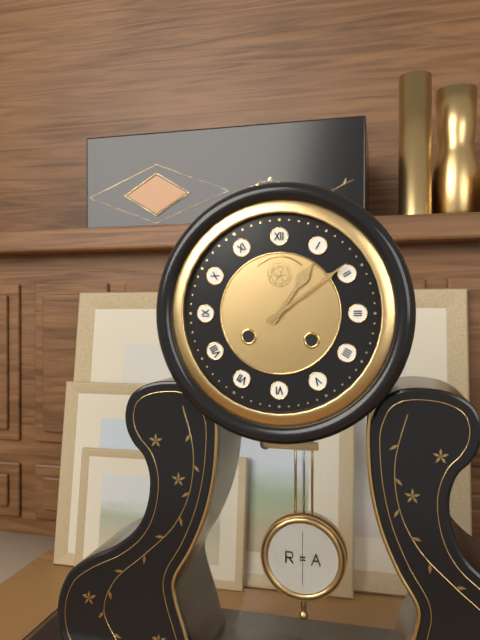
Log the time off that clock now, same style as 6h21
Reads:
1h09
